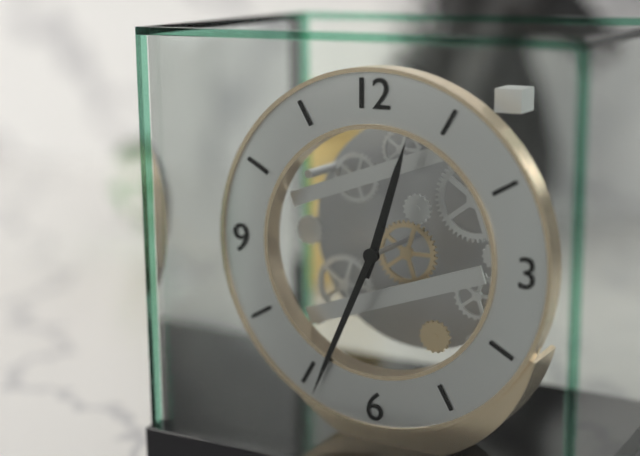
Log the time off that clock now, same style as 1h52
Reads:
12h34
